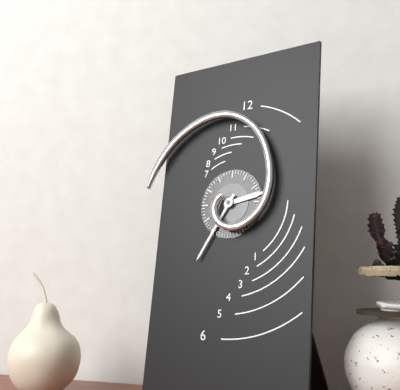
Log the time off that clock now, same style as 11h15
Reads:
2h35
